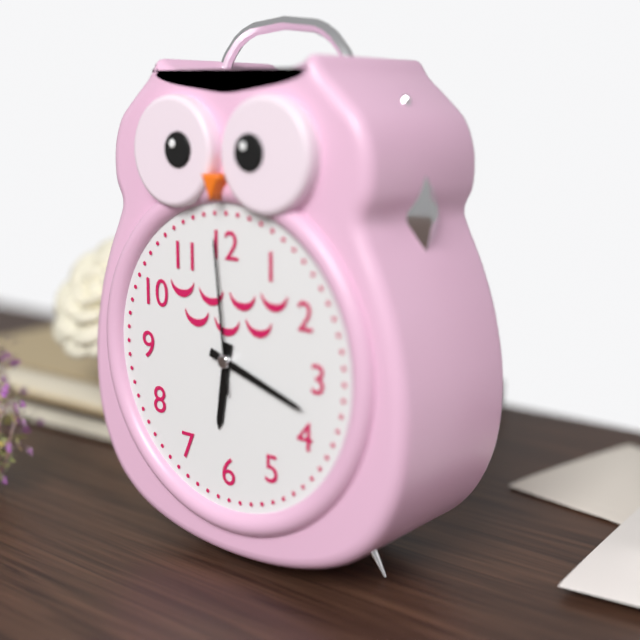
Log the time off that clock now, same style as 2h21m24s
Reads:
6h18m59s
